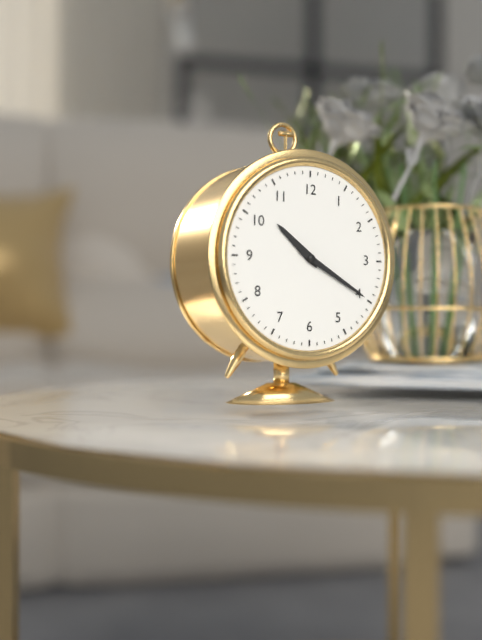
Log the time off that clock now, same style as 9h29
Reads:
10h20
